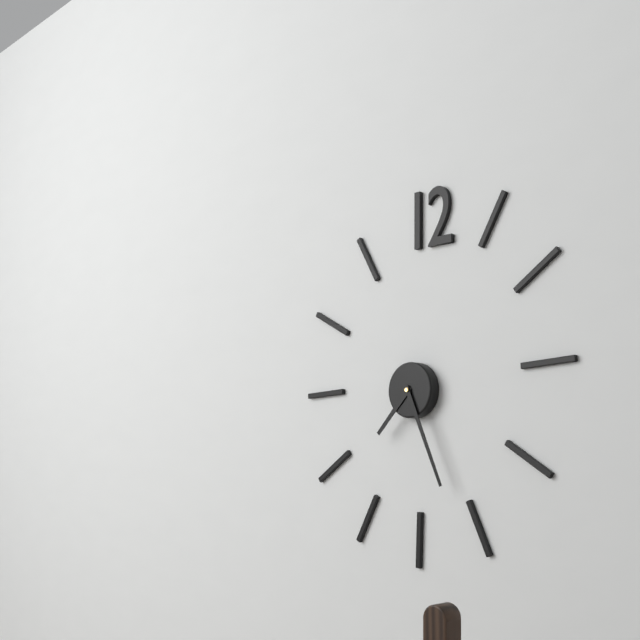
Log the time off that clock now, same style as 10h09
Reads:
7h26
